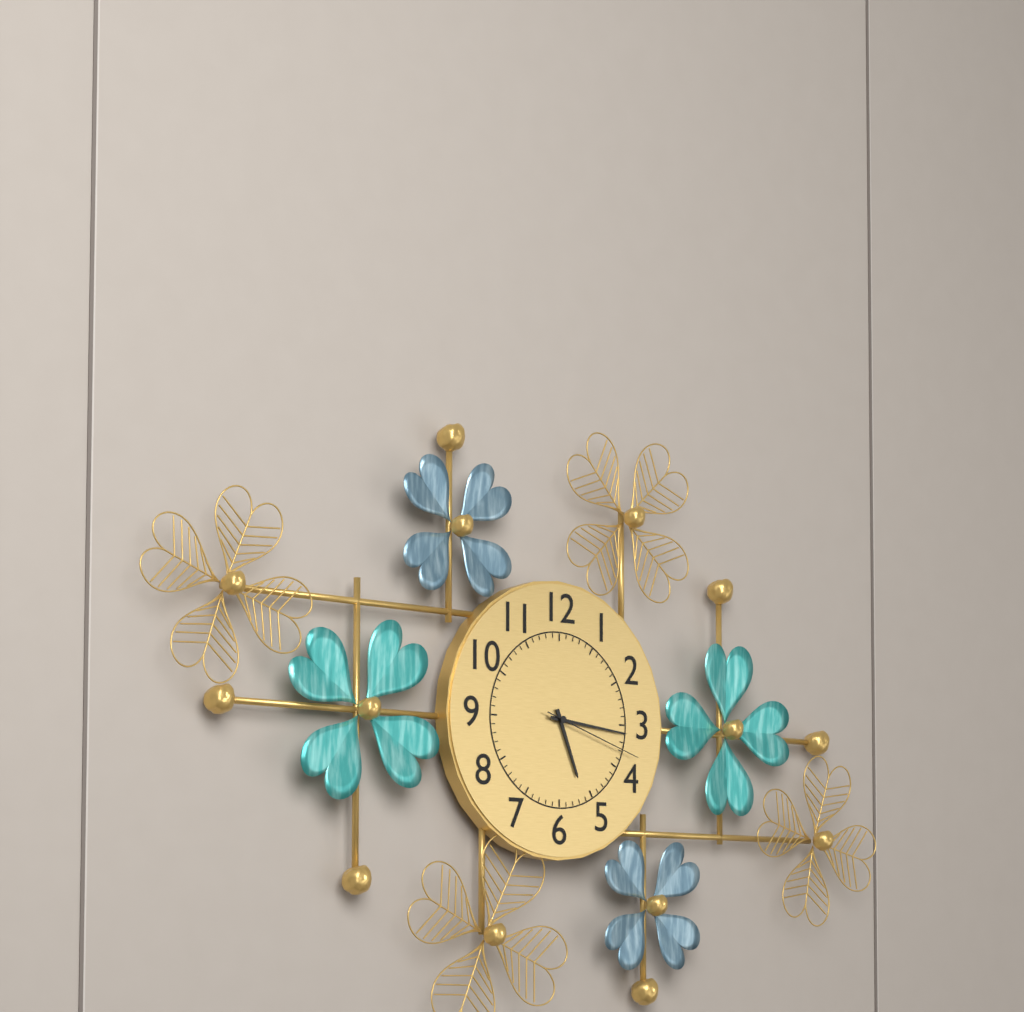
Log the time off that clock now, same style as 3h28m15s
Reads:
5h16m18s
